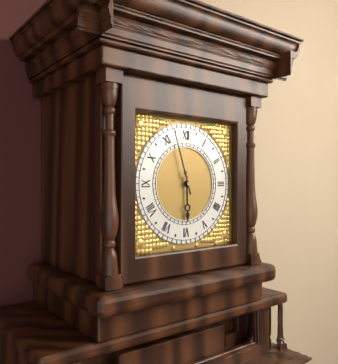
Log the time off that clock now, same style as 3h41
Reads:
5h57
